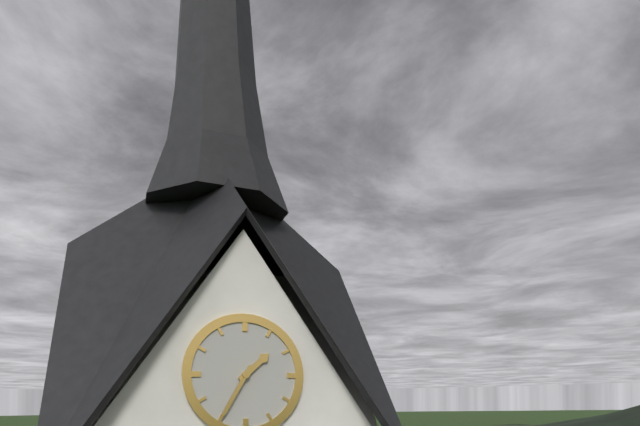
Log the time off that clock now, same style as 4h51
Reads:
1h35
